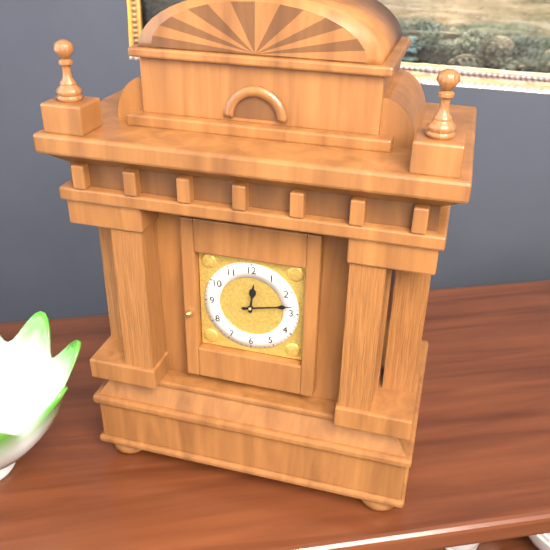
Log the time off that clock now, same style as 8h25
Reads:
12h13
